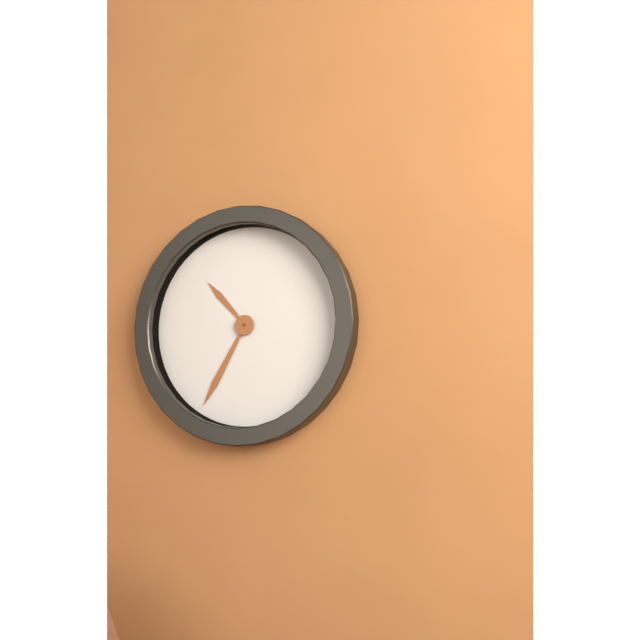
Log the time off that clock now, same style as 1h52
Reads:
10h35
